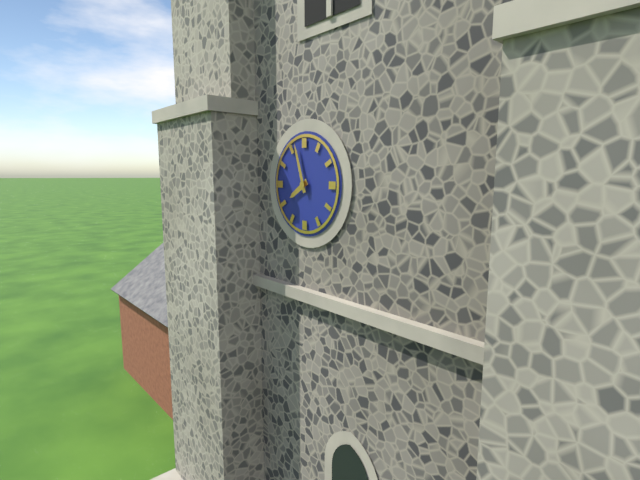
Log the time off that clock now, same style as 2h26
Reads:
7h57
